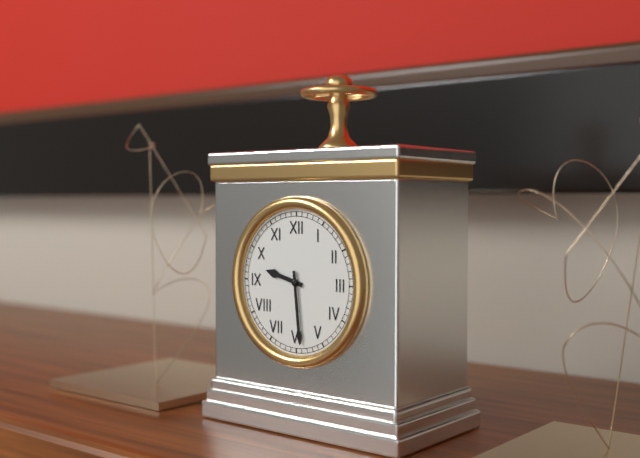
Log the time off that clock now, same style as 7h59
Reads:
9h29
